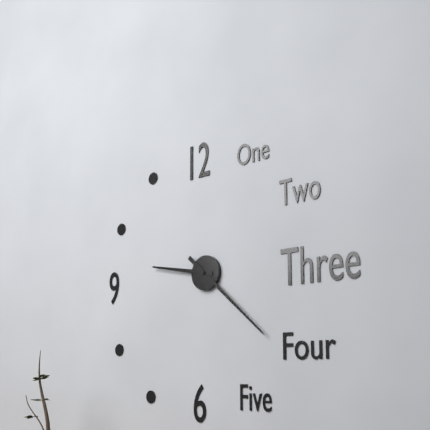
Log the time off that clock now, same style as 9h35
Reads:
9h22
